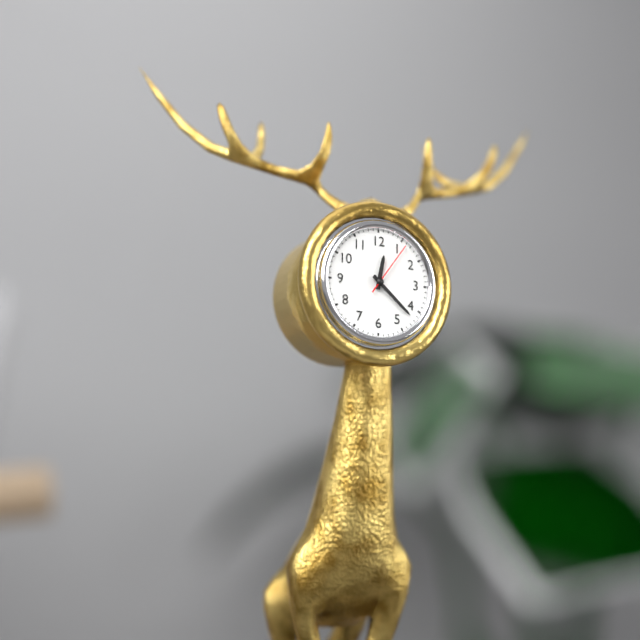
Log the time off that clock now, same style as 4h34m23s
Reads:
12h22m06s
